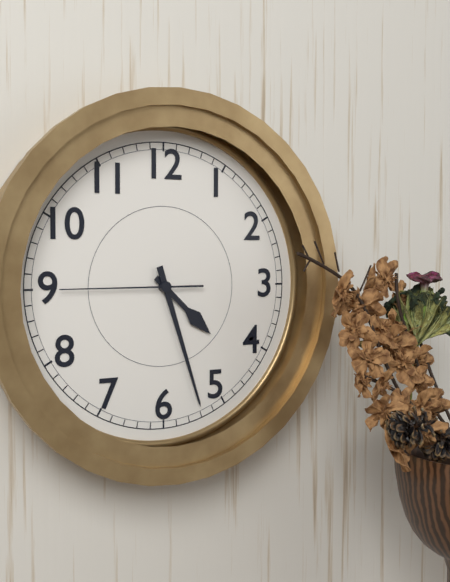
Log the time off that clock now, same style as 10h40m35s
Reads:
4h27m45s
